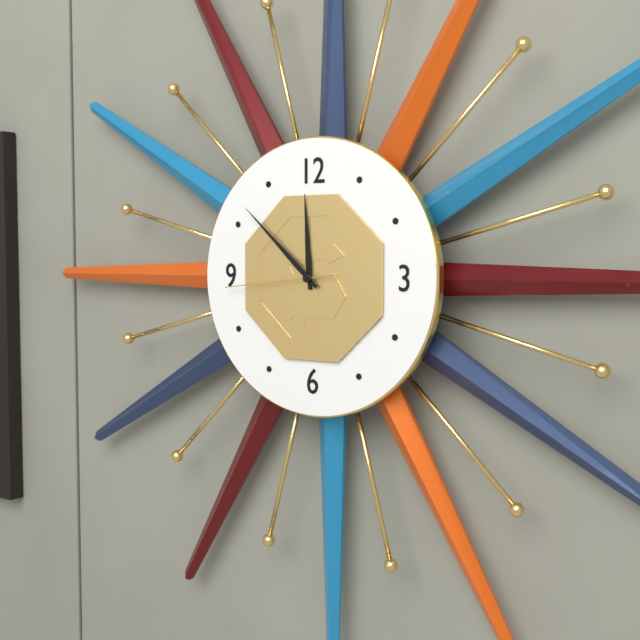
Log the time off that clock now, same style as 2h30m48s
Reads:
11h52m44s
